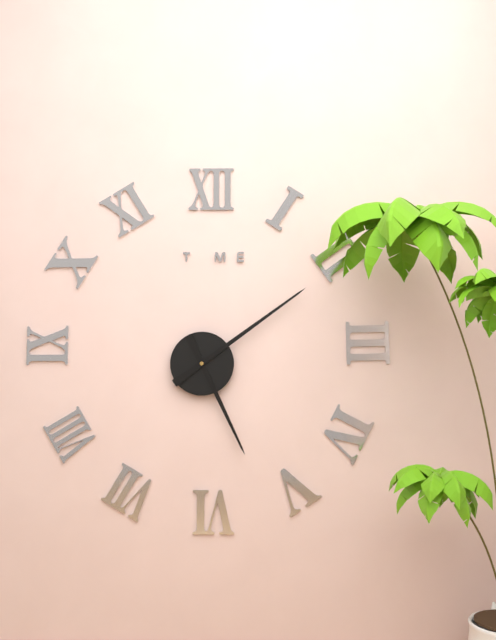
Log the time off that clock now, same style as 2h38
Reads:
5h09
